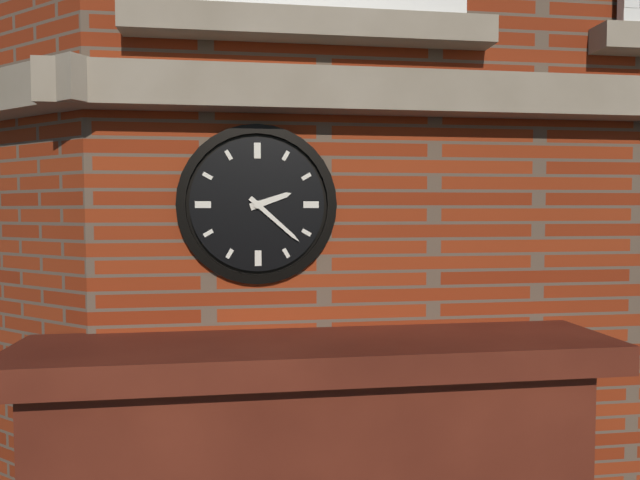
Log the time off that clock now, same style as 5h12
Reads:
2h22
